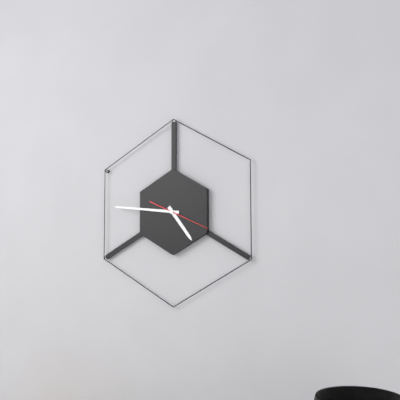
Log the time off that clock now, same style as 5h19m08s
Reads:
4h46m19s
